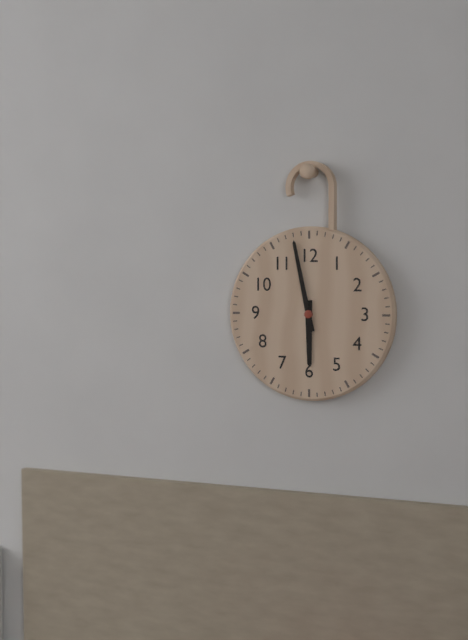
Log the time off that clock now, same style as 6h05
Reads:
5h58
